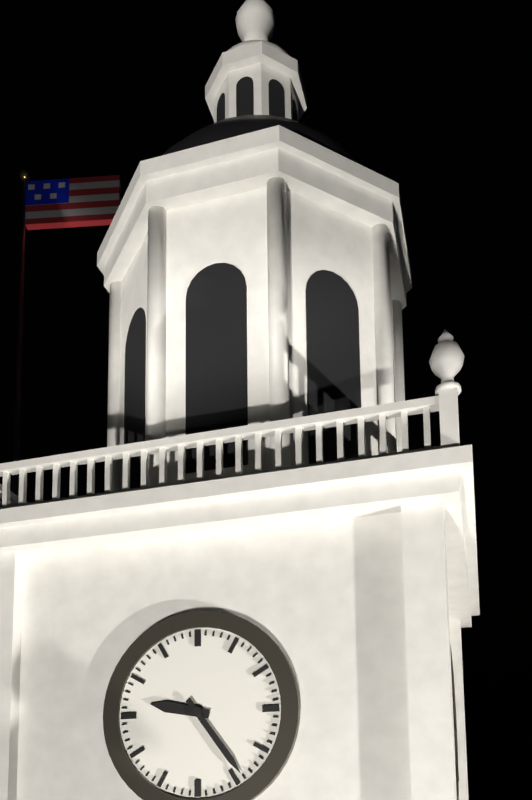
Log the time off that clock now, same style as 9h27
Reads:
9h24
